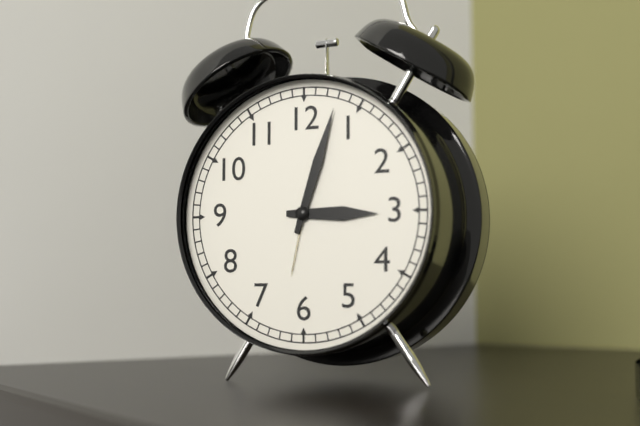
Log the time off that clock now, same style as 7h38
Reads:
3h03
